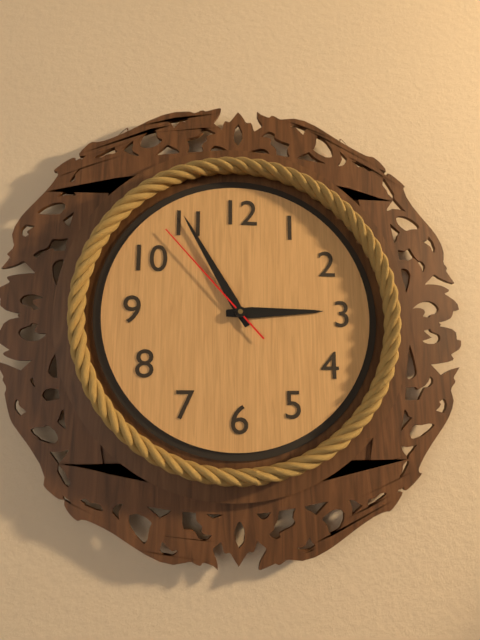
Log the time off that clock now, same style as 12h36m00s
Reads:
2h55m53s
